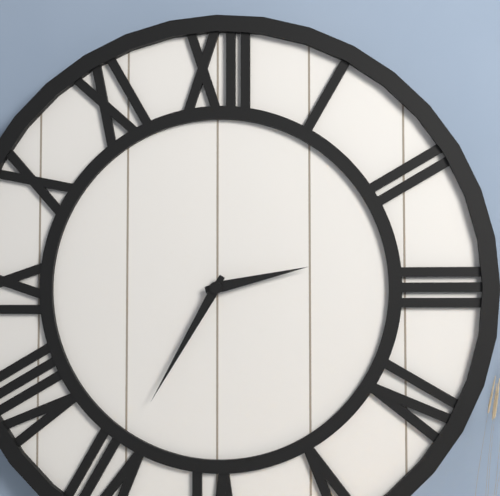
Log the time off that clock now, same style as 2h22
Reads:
2h35
